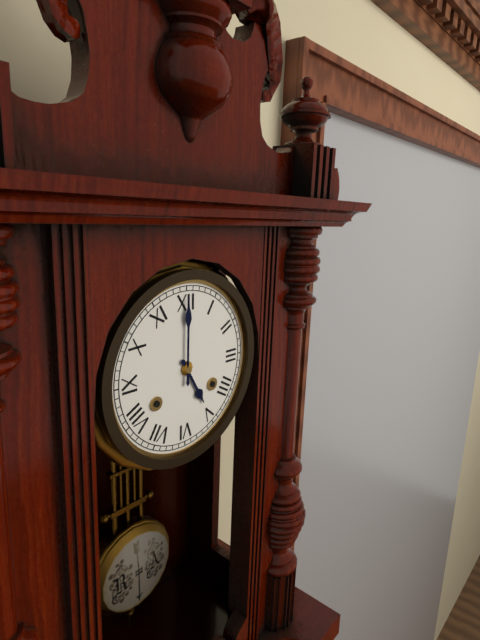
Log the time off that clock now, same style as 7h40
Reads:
5h00
